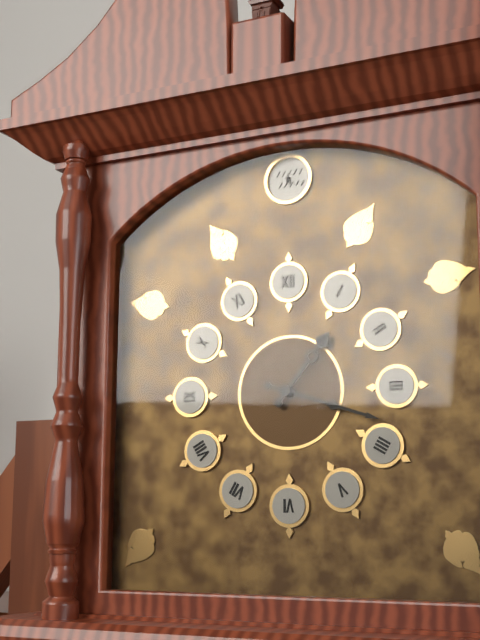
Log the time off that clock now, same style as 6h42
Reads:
1h18
